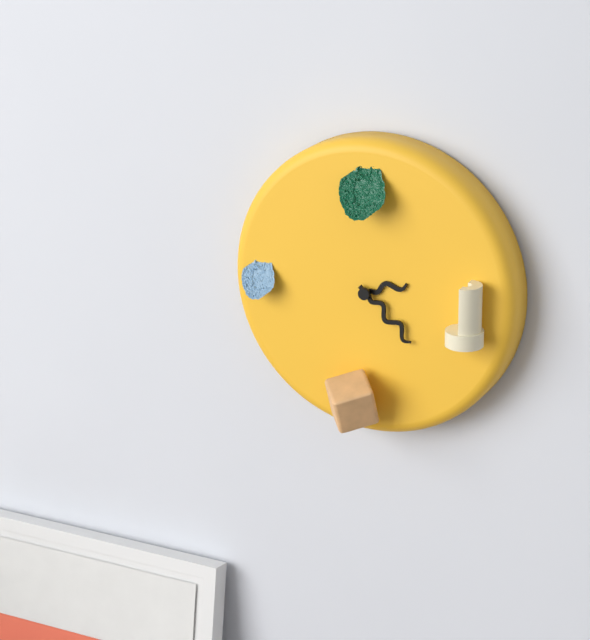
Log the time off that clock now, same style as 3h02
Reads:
2h22
